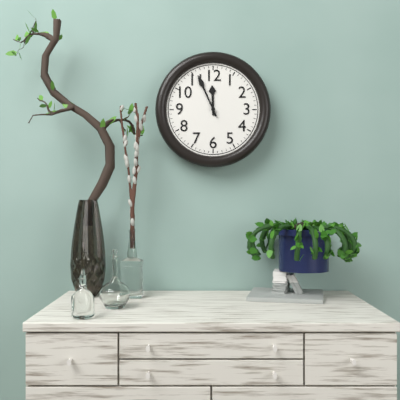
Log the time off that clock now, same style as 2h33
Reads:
11h56
